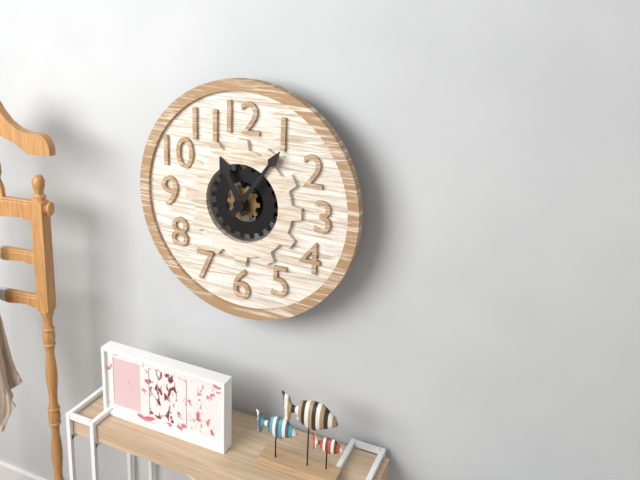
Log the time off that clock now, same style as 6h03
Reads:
11h06
